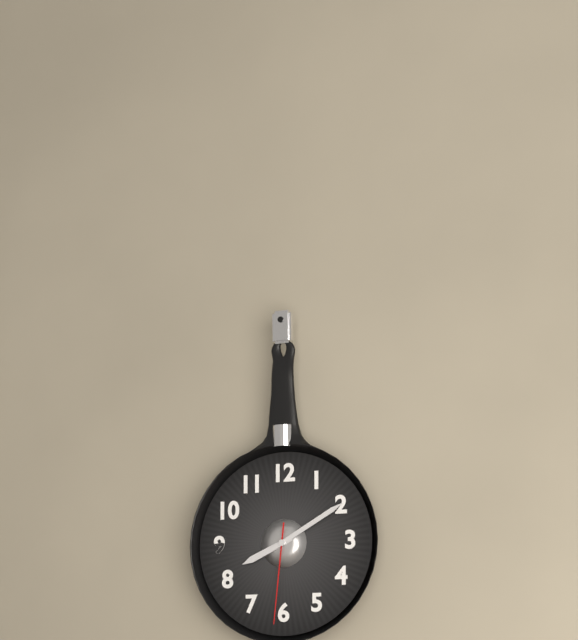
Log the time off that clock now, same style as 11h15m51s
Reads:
8h10m31s
